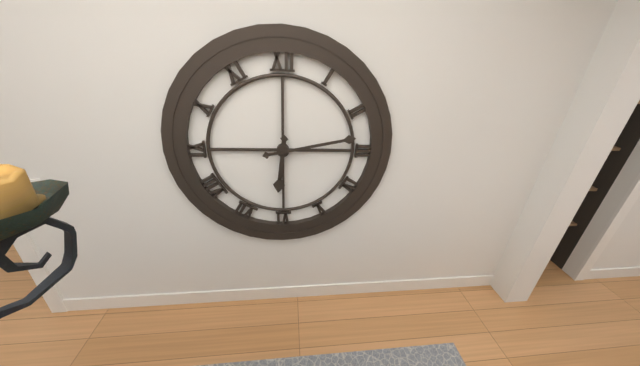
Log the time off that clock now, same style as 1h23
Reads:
6h13
